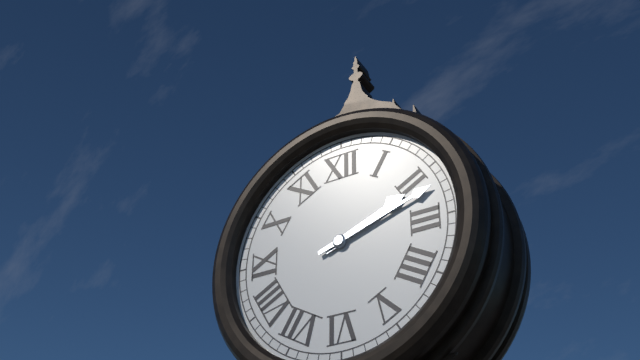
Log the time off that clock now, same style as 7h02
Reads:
2h12
